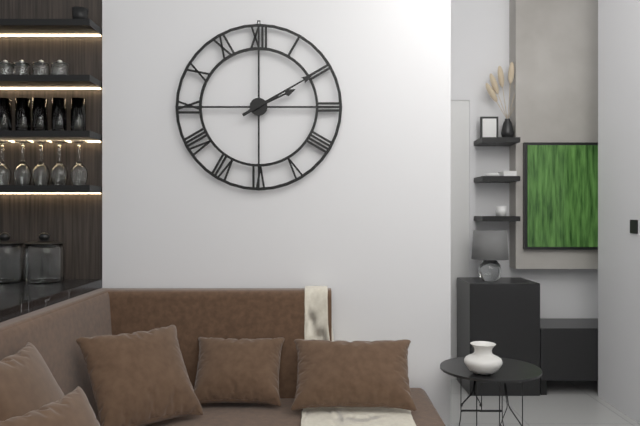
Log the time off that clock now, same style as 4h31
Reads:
2h10
